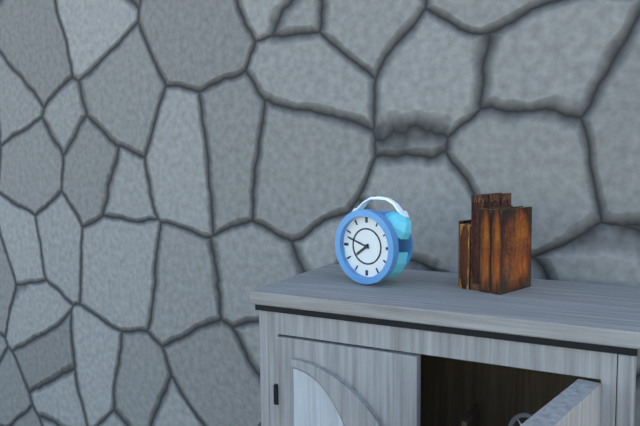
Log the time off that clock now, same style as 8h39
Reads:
7h48
